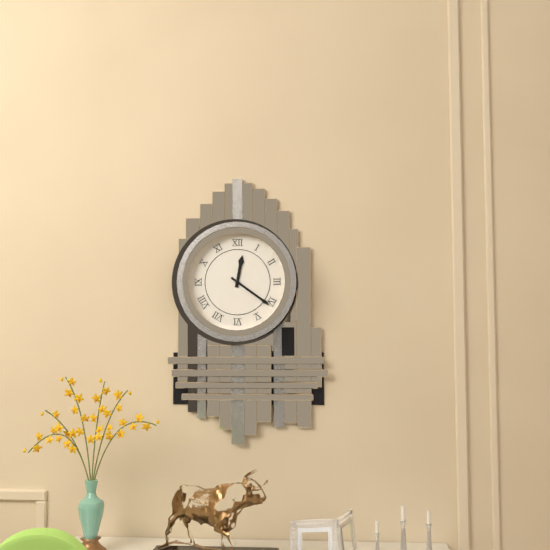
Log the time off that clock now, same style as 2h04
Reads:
12h21
